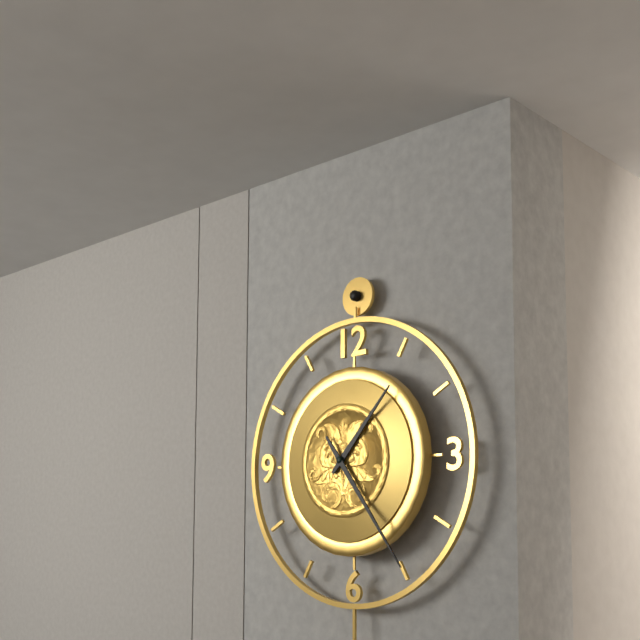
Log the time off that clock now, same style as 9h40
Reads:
1h24
